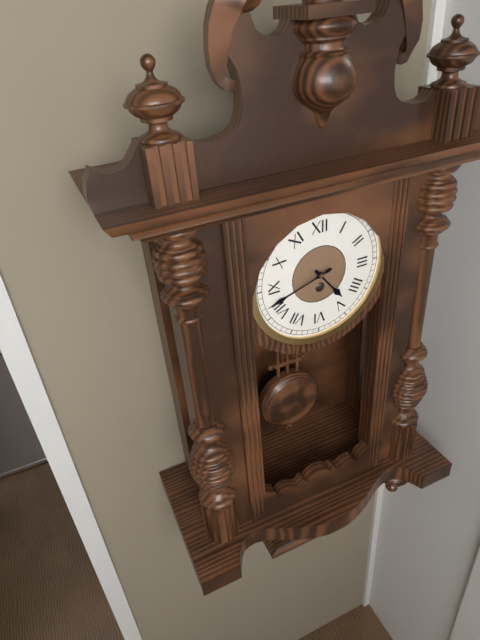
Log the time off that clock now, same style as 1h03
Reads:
4h42
